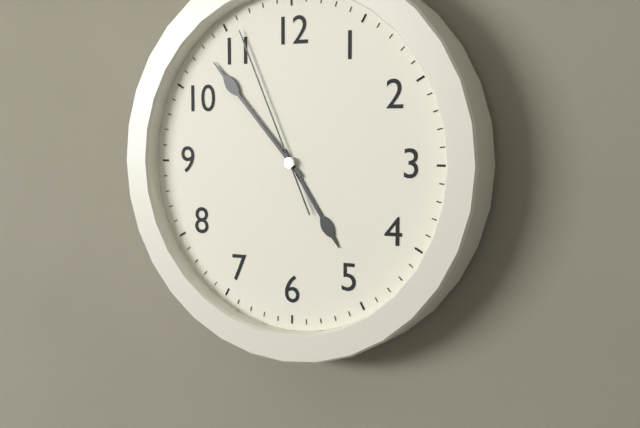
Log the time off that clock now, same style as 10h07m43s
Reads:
4h53m56s
